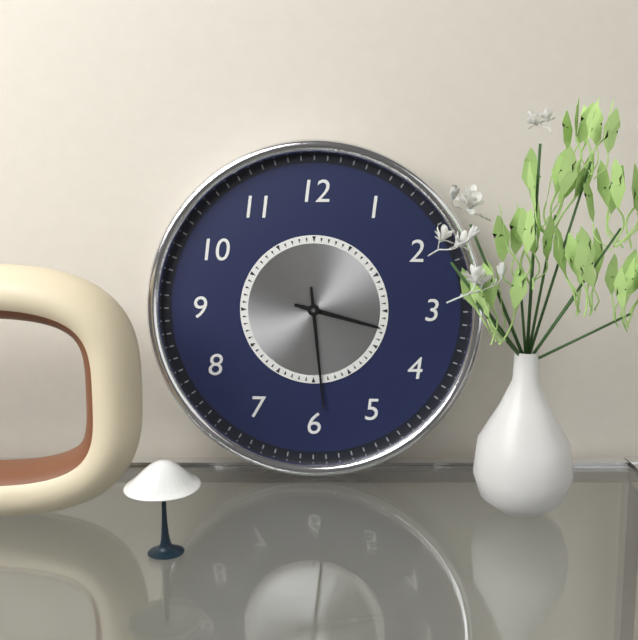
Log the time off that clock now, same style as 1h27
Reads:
3h29
